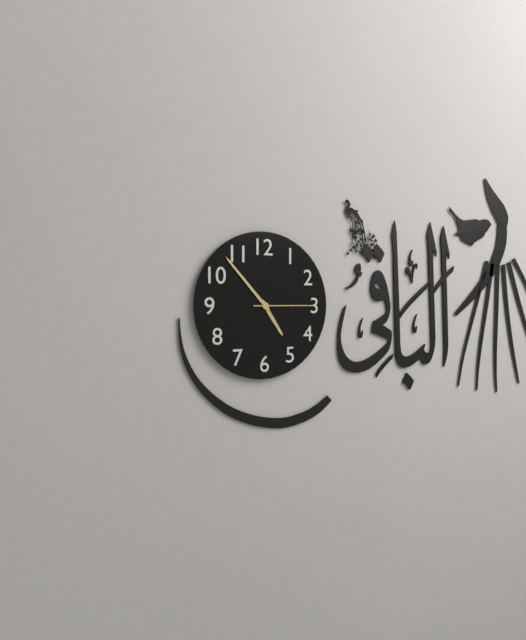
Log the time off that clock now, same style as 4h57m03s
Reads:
4h53m15s
